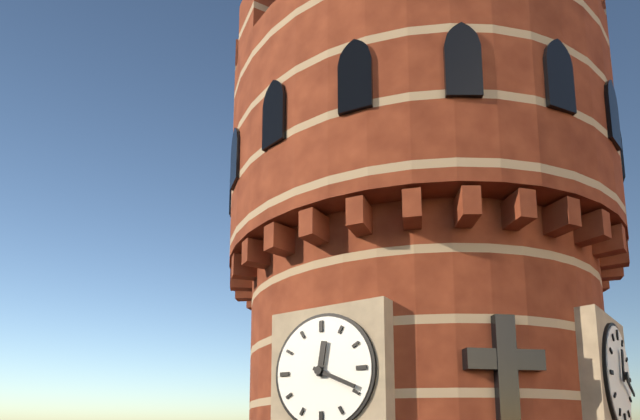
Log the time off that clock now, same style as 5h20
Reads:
12h19
